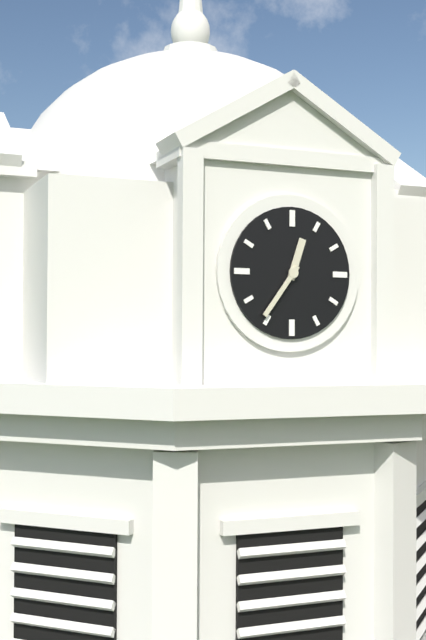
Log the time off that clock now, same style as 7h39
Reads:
12h36
